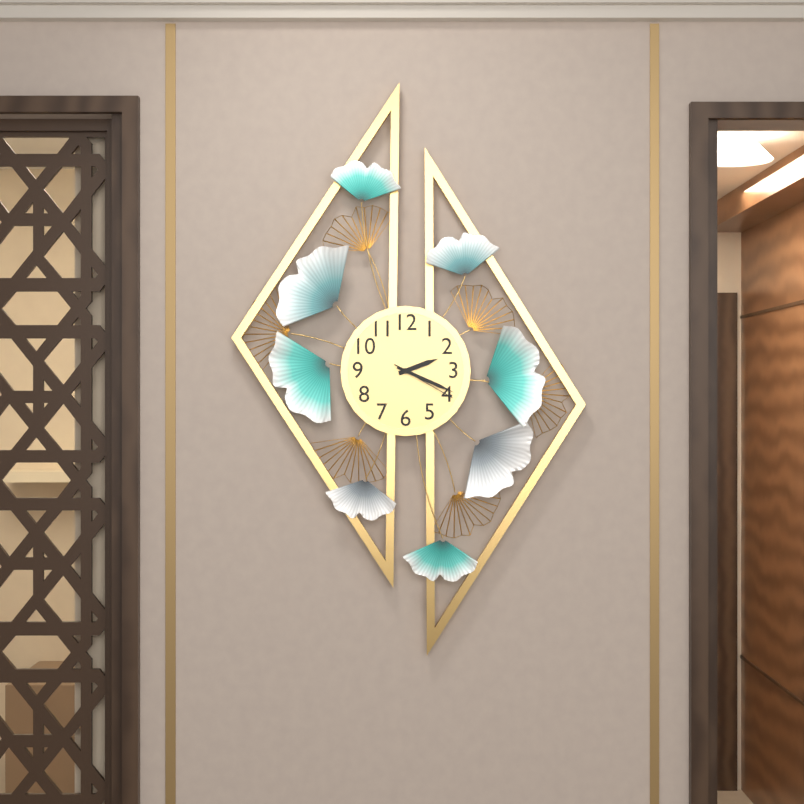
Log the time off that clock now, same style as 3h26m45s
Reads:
2h19m20s
